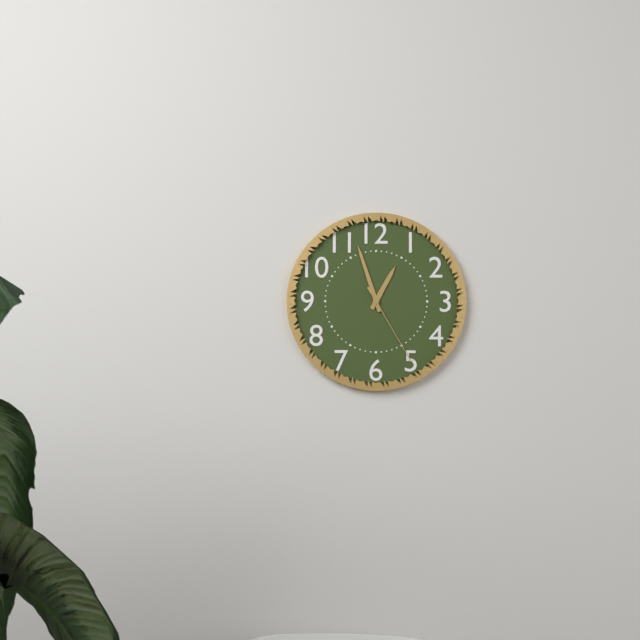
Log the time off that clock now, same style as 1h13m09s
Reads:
12h57m25s
